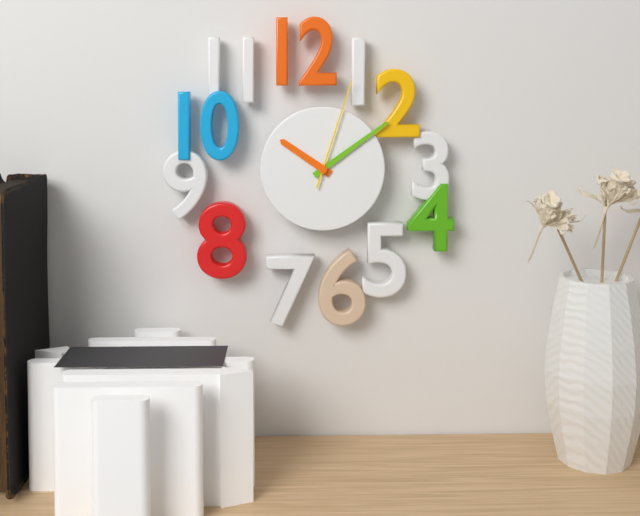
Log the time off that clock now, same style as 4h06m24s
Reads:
10h09m03s
